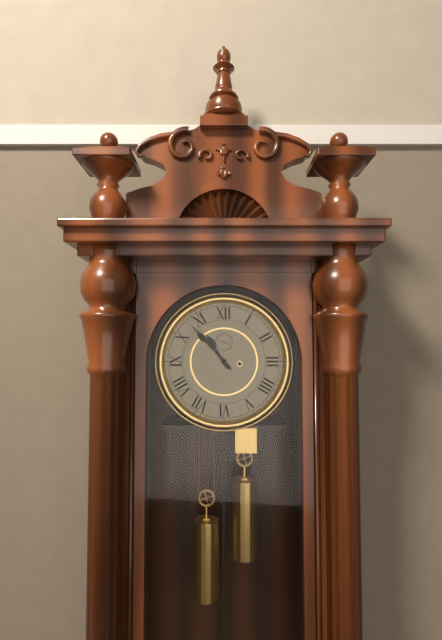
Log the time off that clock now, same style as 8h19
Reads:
10h53
